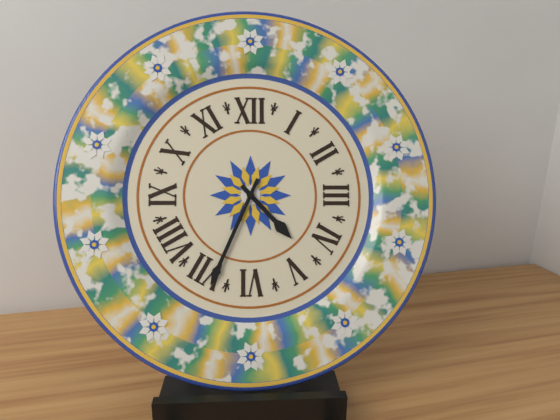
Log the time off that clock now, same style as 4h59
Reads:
4h34
